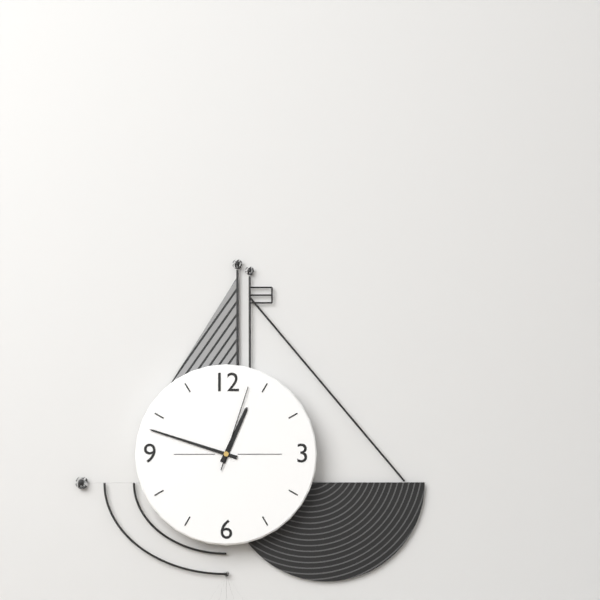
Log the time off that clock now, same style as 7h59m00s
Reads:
12h48m03s
